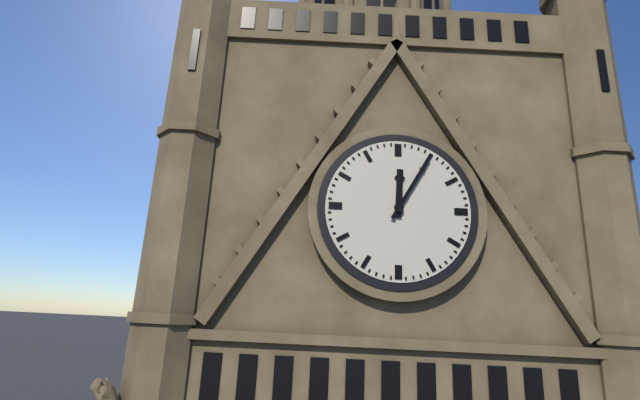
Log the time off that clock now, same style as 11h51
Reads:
12h05
